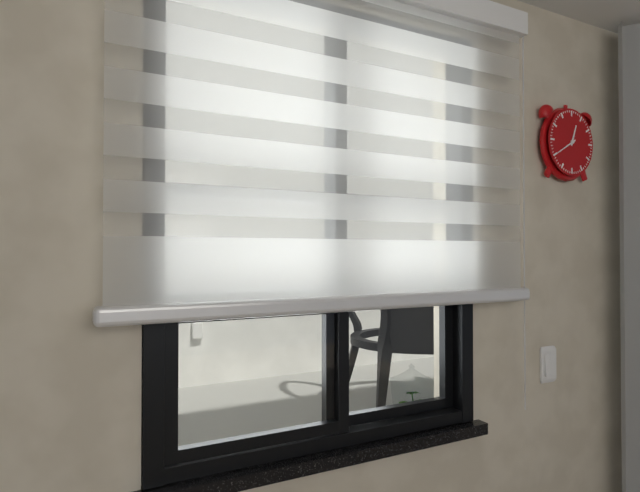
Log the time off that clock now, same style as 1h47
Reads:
12h40
